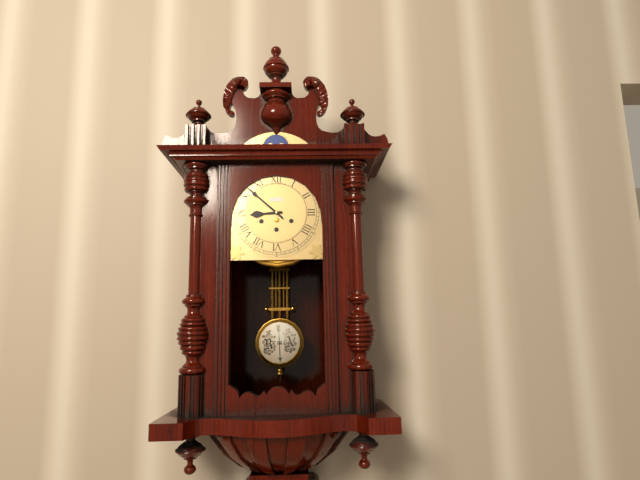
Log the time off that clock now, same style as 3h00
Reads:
8h52
